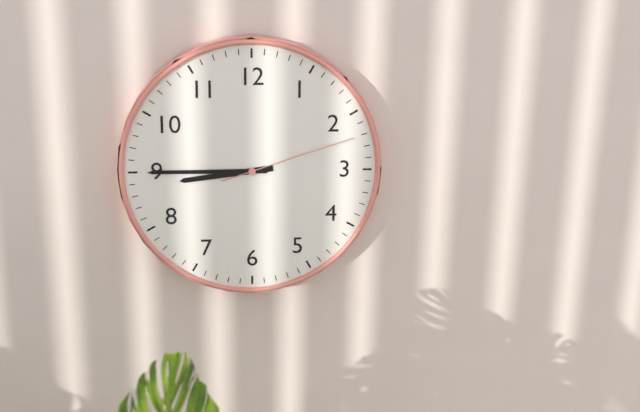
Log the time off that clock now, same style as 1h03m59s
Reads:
8h45m12s
